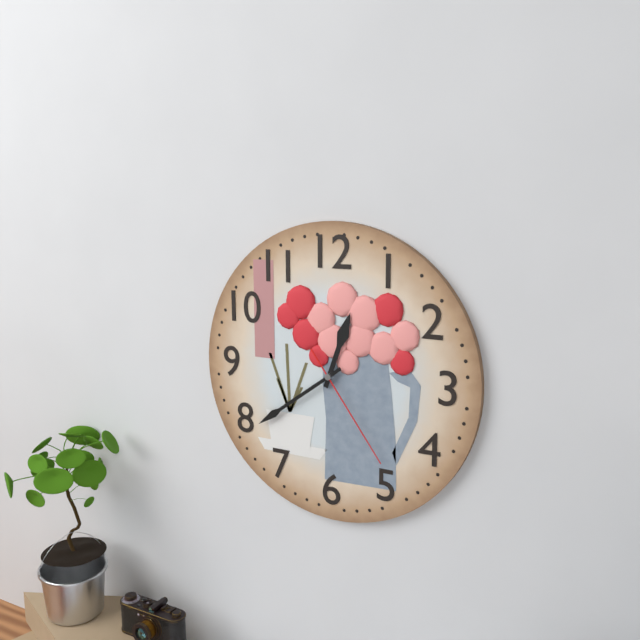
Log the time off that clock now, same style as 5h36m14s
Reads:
12h39m24s
